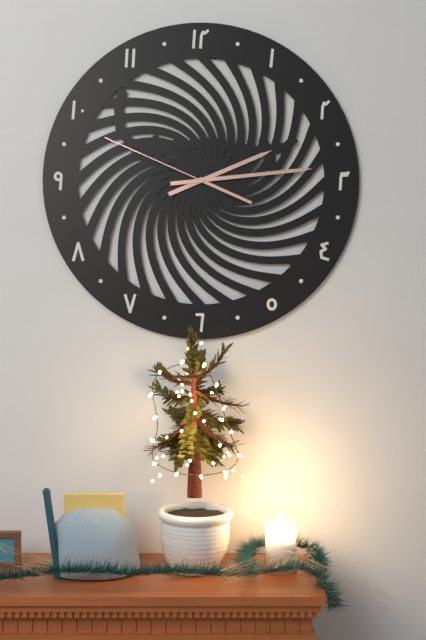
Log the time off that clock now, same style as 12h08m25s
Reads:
2h14m49s
